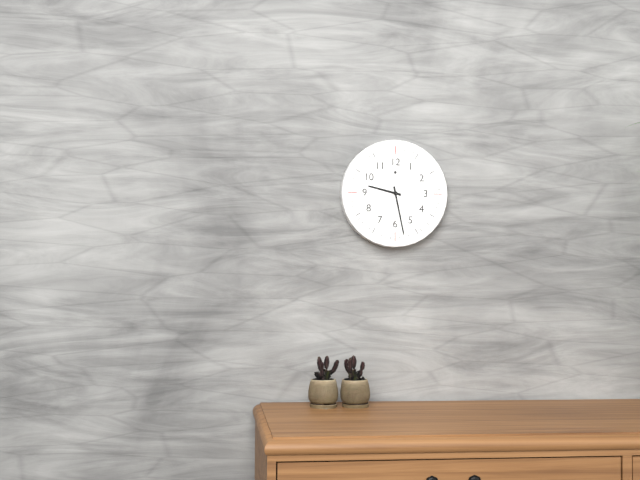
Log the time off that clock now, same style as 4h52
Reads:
9h28
